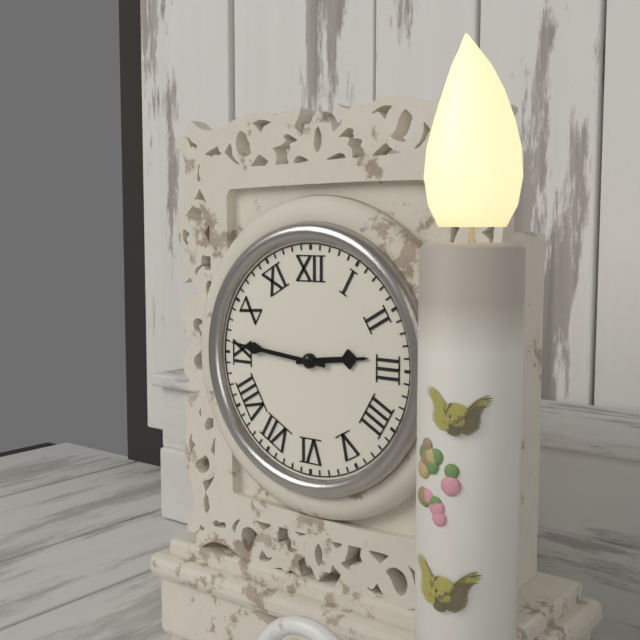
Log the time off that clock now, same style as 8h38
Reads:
2h46
